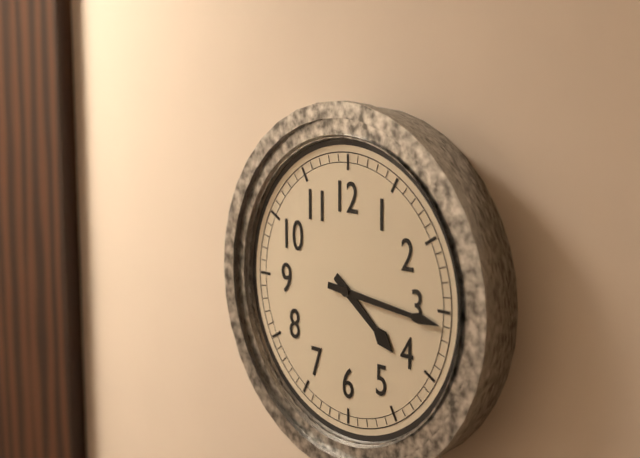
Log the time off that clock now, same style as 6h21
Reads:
4h16
